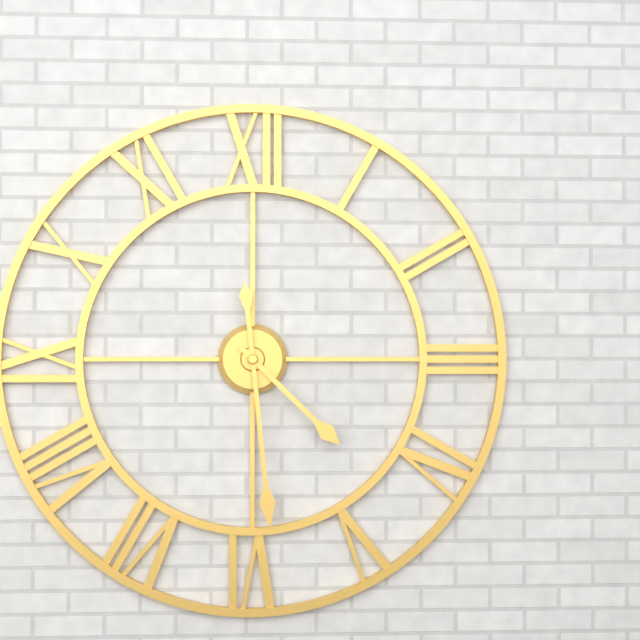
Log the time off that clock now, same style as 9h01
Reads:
4h29
